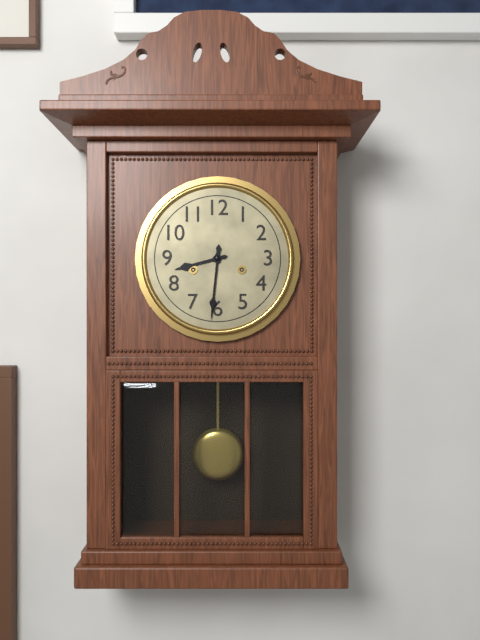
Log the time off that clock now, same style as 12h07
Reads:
8h31
